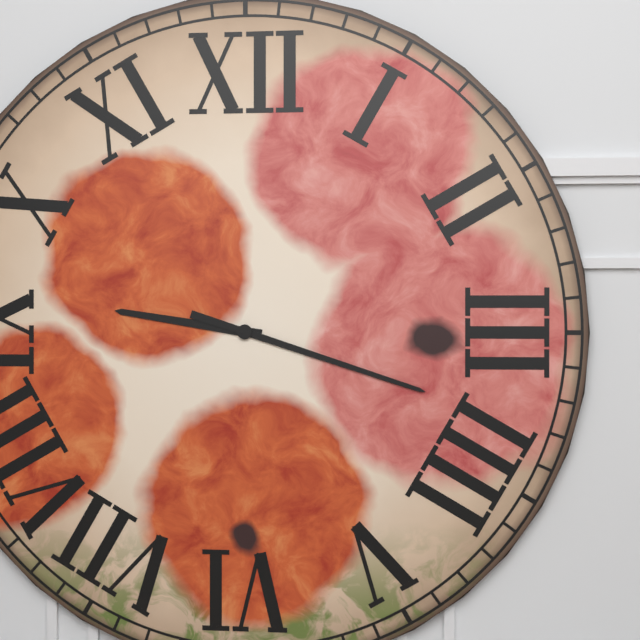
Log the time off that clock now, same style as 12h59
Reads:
9h18
